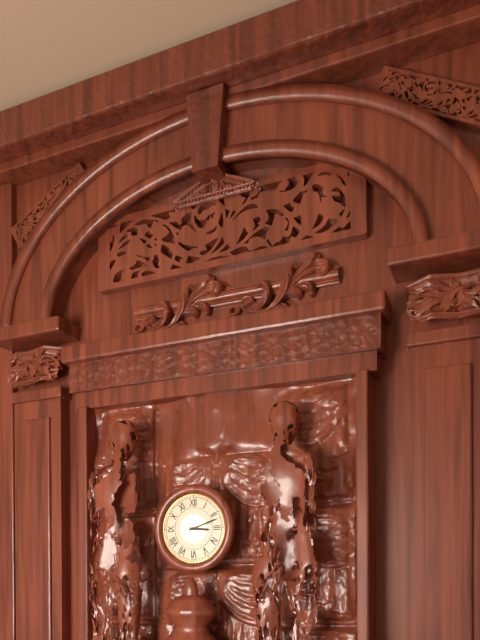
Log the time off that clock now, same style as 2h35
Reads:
3h12
